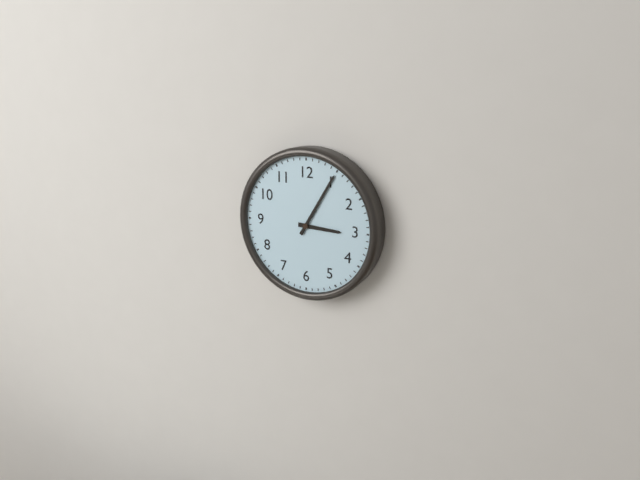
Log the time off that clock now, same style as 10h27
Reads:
3h05
